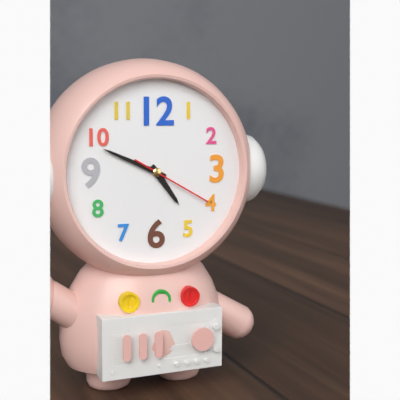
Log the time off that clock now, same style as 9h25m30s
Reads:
4h49m20s
